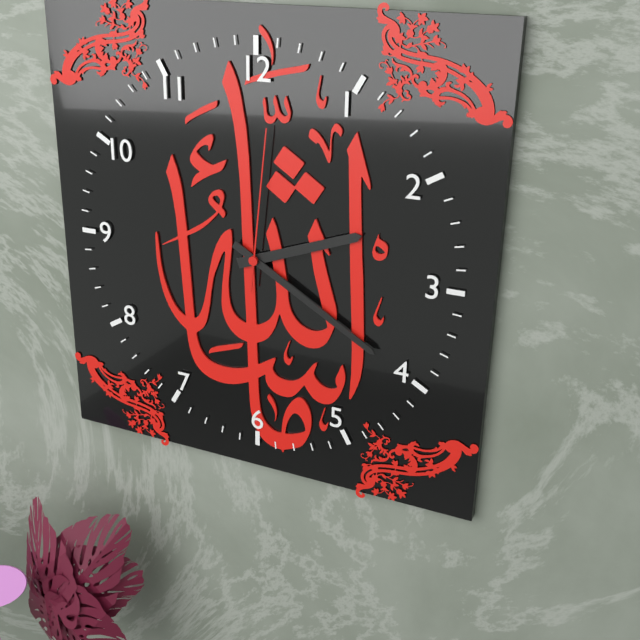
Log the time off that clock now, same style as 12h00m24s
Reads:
2h20m01s
